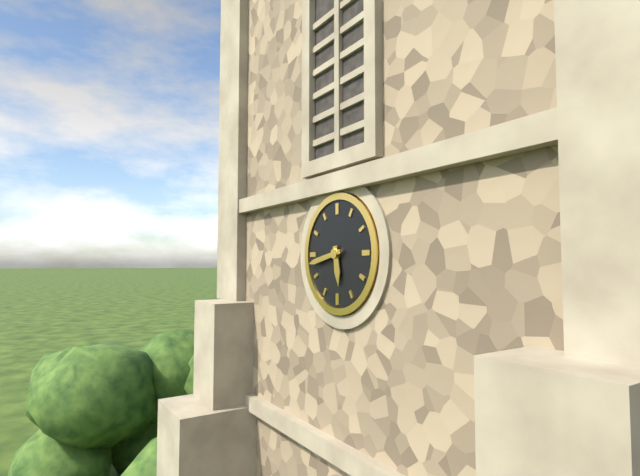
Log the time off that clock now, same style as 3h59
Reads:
5h43
